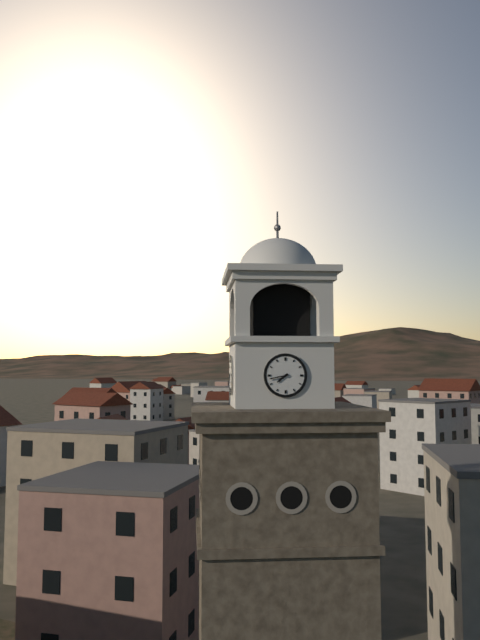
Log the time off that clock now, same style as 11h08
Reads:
7h43
